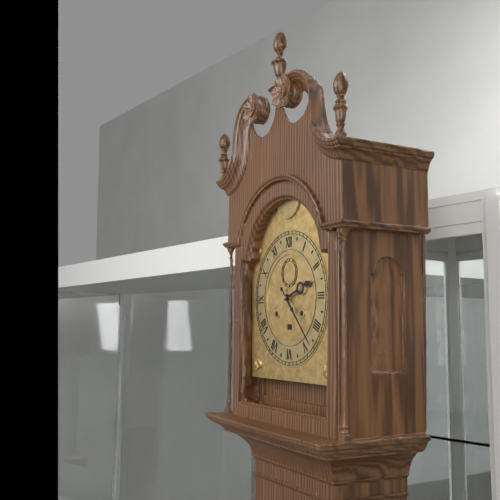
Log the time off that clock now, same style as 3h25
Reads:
2h23
